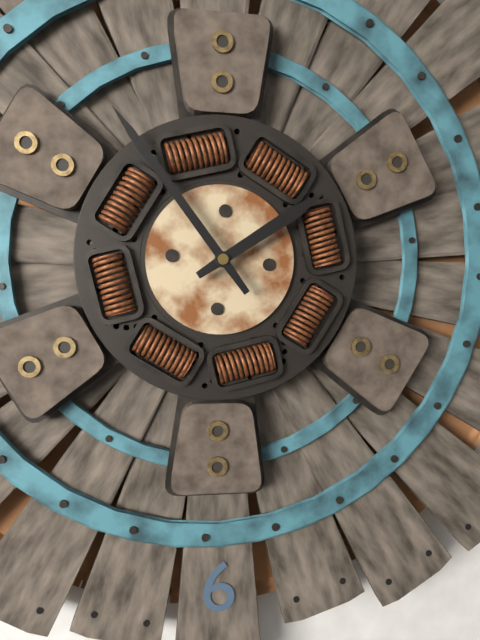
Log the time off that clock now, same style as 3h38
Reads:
1h54
